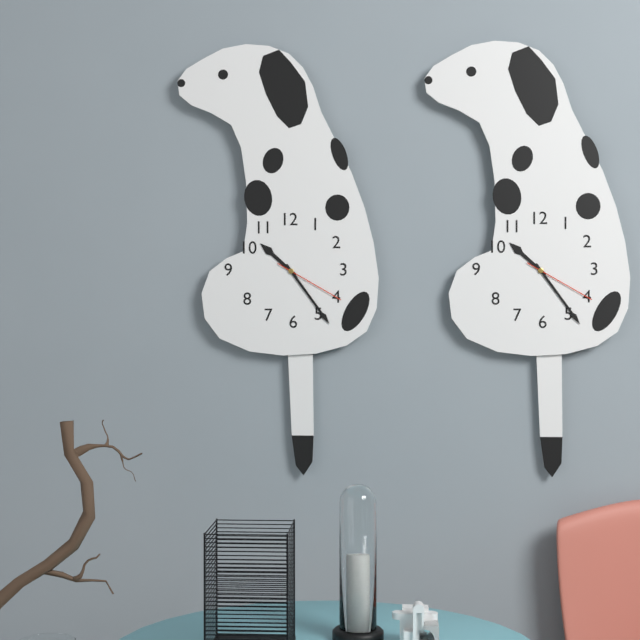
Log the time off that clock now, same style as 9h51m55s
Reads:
10h24m20s
